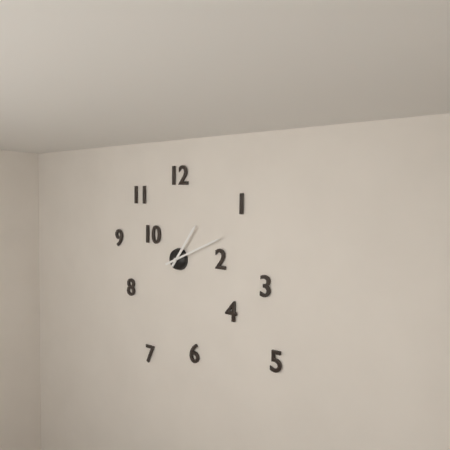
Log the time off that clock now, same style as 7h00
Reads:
1h11
